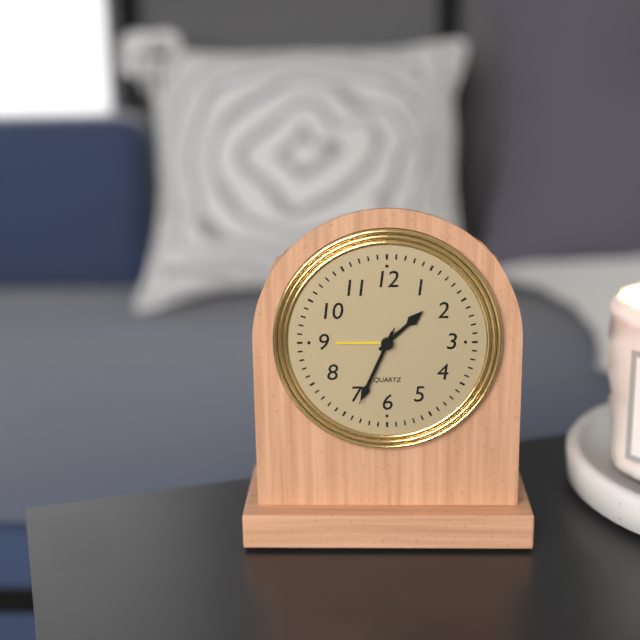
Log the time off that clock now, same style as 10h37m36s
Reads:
1h34m34s
